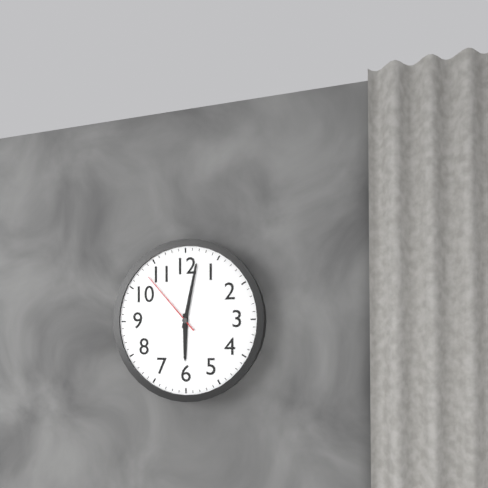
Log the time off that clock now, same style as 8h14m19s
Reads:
6h02m53s
